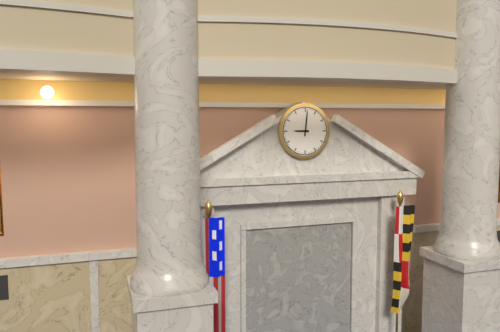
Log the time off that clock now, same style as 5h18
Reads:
9h01
